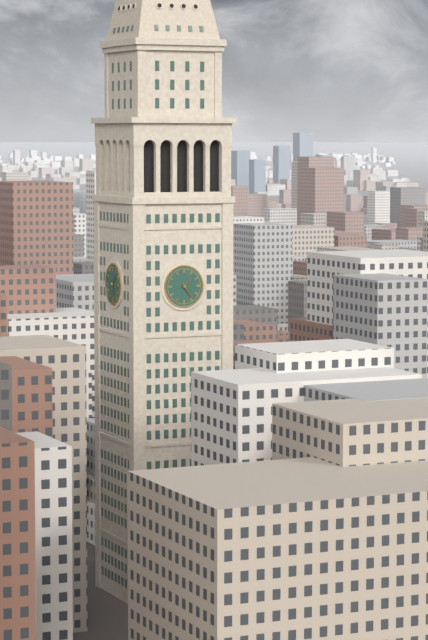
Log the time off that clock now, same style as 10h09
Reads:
1h24
